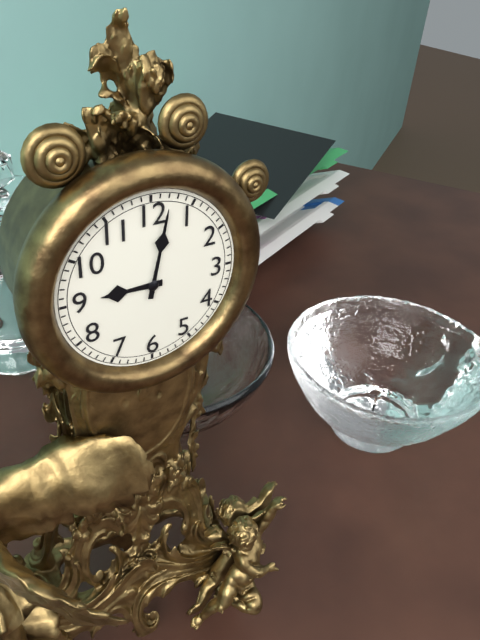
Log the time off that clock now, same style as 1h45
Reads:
9h02
